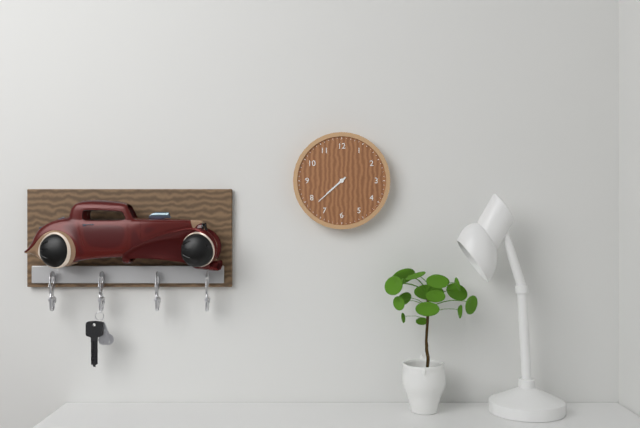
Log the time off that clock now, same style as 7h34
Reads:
7h38
